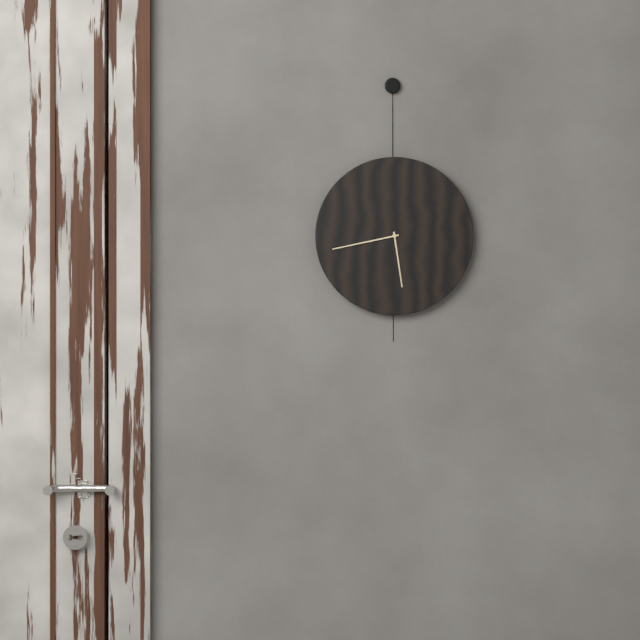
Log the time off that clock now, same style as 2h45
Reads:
5h43
